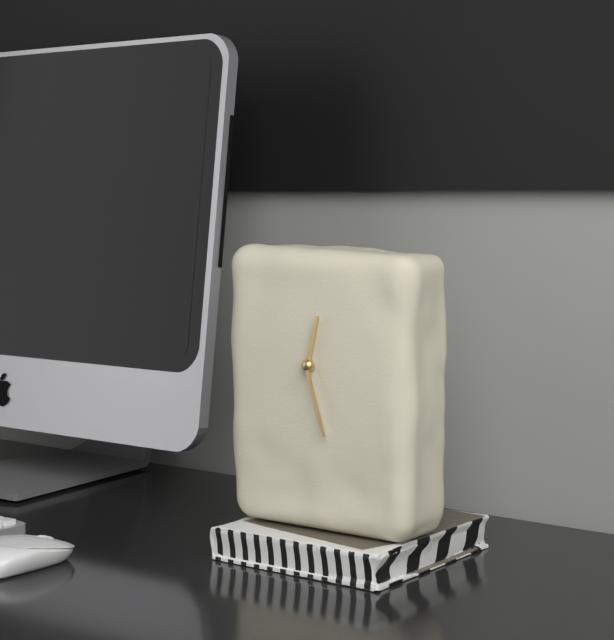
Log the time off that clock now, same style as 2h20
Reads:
12h27
